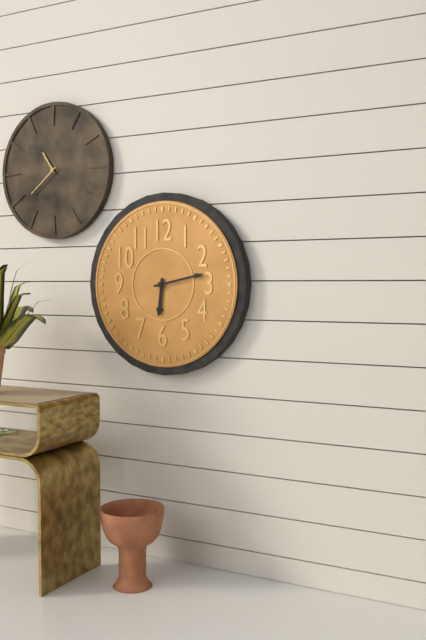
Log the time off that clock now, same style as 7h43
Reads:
6h13
